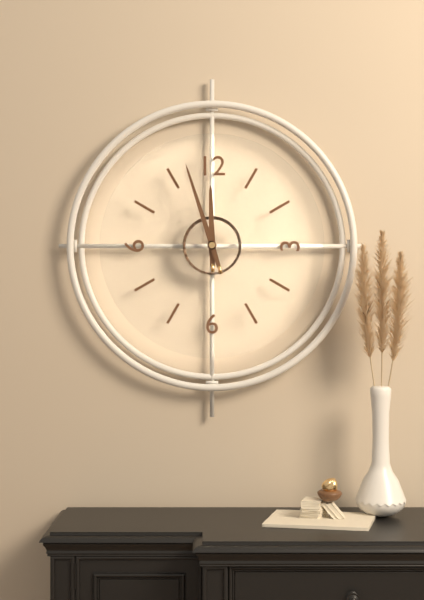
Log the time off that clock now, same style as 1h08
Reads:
11h57
